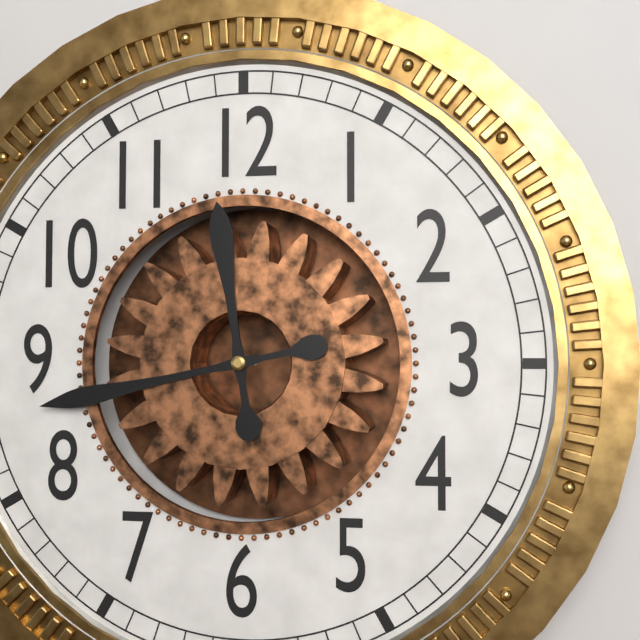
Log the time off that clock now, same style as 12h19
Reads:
11h43
